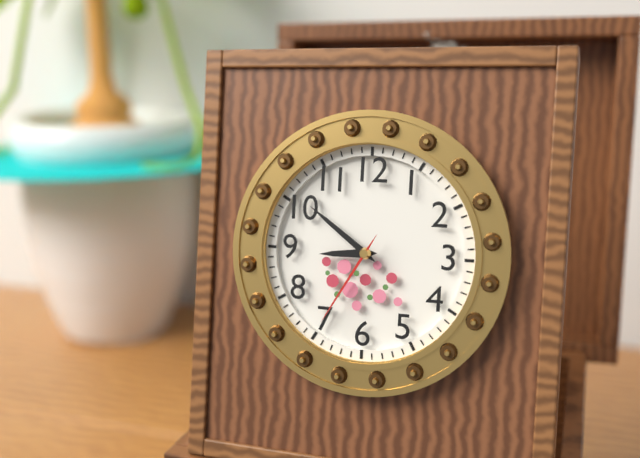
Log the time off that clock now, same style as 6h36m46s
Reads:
8h51m35s
